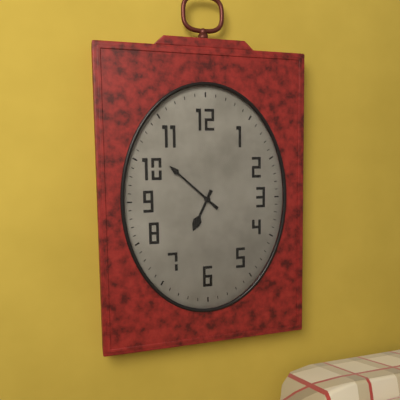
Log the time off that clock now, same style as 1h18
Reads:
6h52
